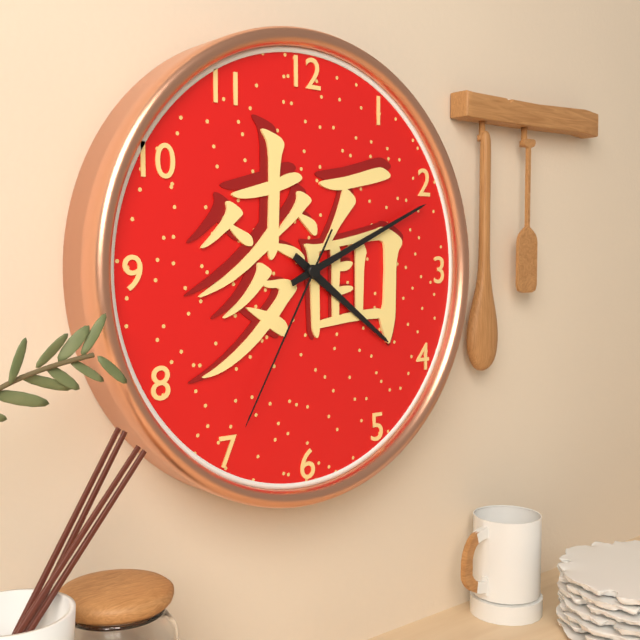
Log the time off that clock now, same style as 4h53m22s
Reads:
4h11m35s
